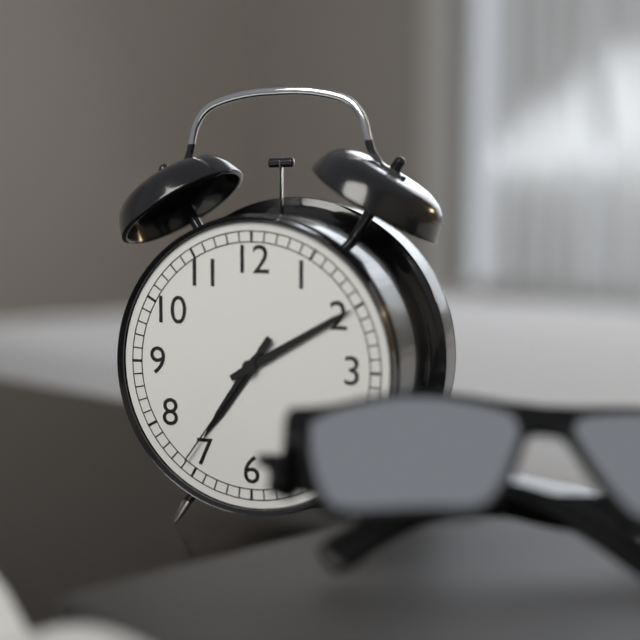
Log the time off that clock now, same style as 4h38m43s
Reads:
7h10m36s
